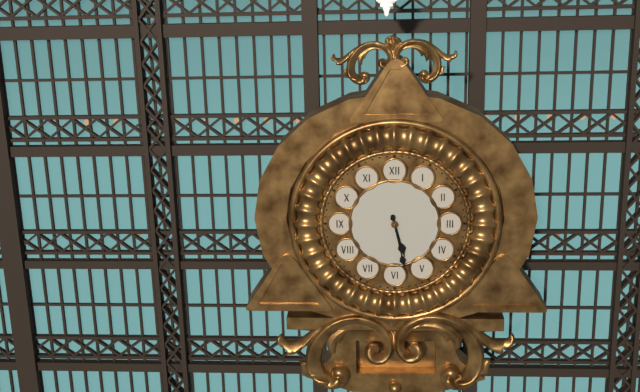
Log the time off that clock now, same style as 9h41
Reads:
5h28
